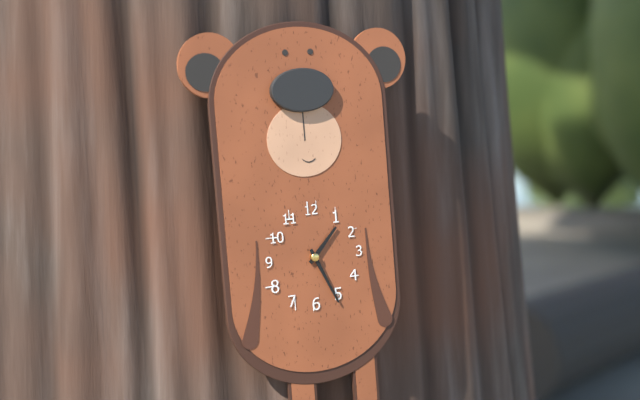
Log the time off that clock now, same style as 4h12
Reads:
1h26
